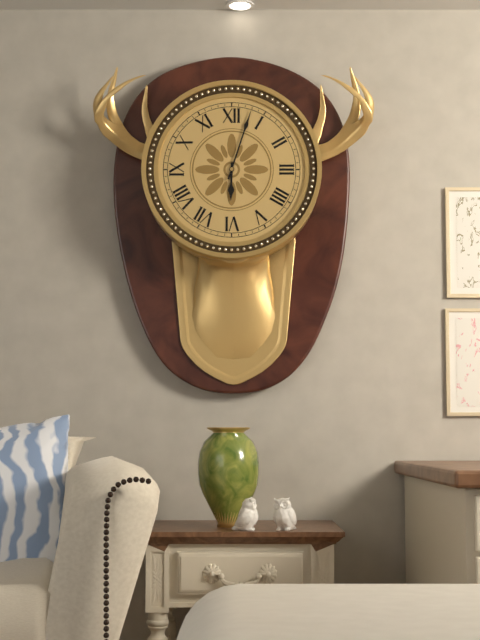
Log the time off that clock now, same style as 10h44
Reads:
6h03
